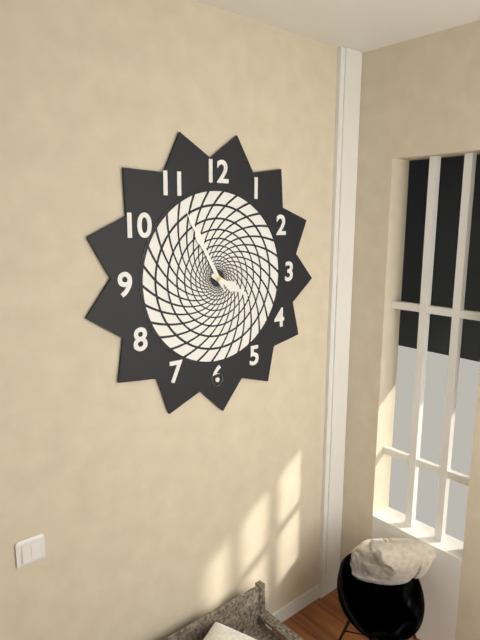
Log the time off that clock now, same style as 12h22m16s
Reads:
3h55m55s
